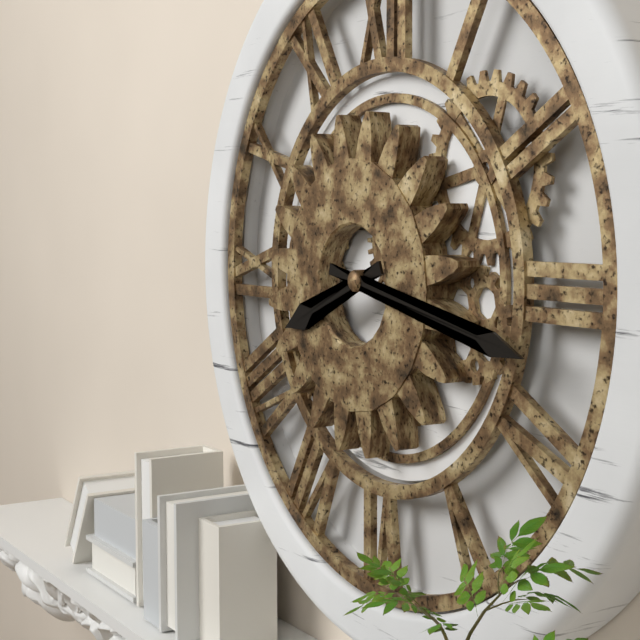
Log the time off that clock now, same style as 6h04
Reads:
8h17
